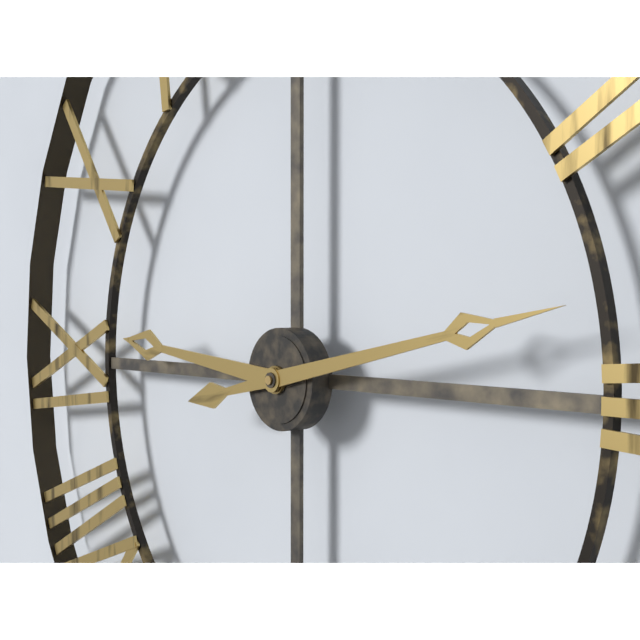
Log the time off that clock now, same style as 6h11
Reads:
9h13
